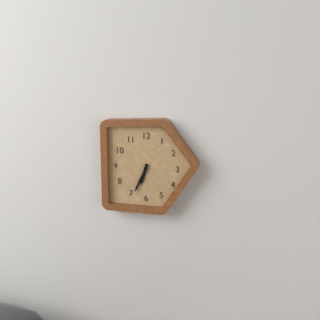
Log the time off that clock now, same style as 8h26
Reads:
6h34
